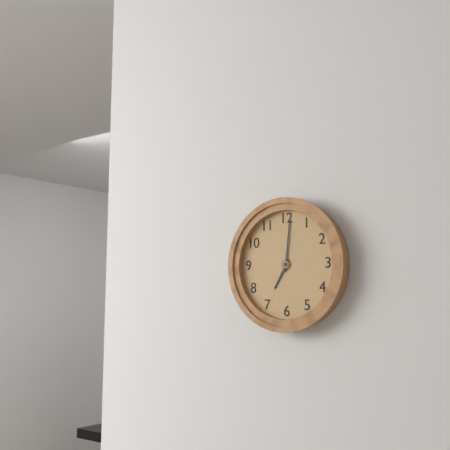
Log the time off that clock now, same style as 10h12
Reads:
7h01
